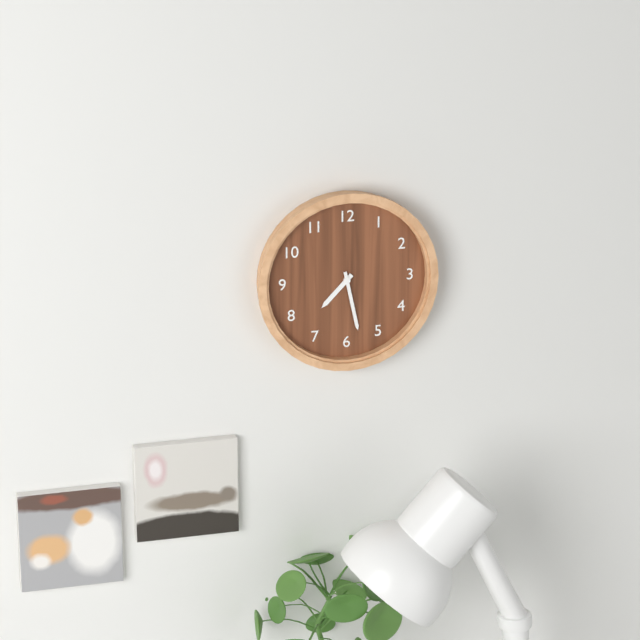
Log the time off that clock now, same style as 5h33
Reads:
7h28
